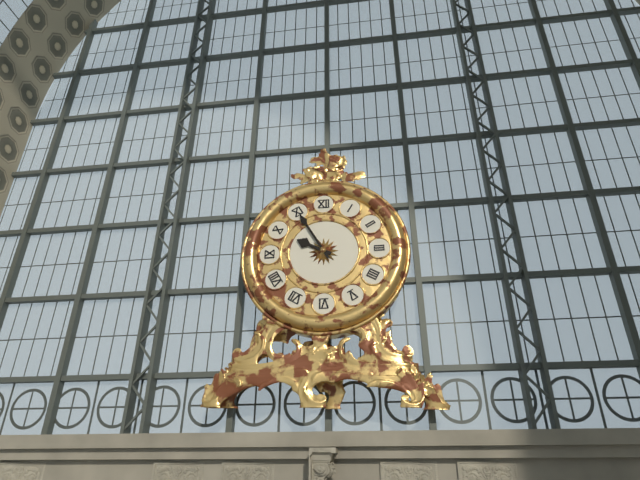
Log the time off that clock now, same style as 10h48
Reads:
9h55
